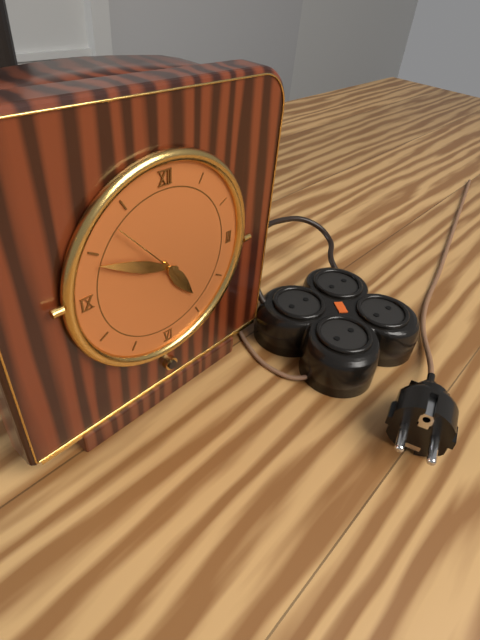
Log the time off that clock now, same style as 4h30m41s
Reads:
4h49m53s
